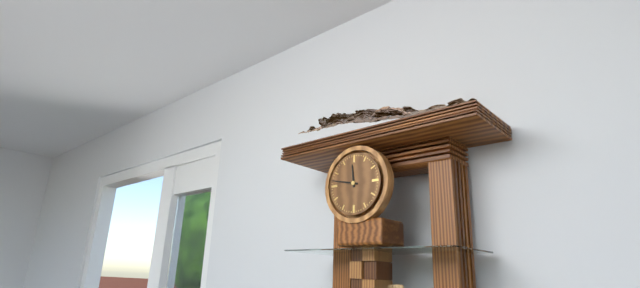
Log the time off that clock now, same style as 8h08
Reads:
11h47
